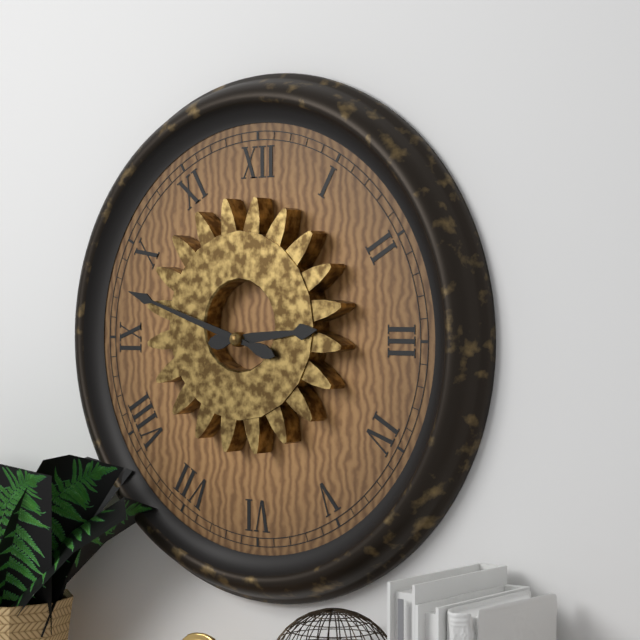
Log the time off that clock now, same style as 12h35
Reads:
2h48
